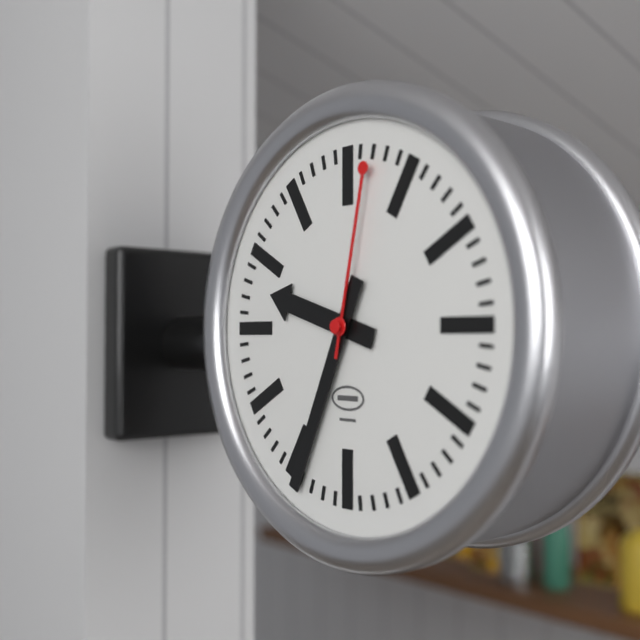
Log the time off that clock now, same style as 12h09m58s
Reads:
9h34m02s
